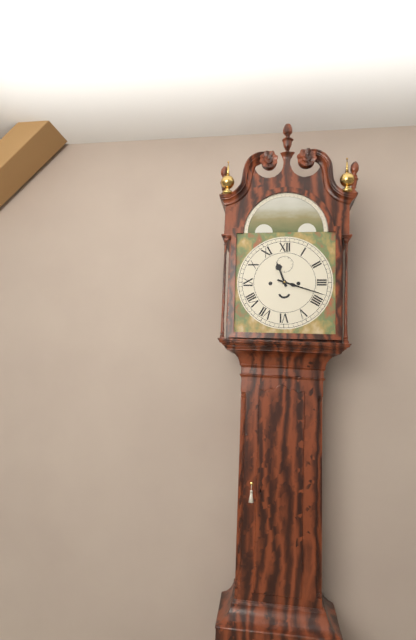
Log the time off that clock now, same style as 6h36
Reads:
11h18
